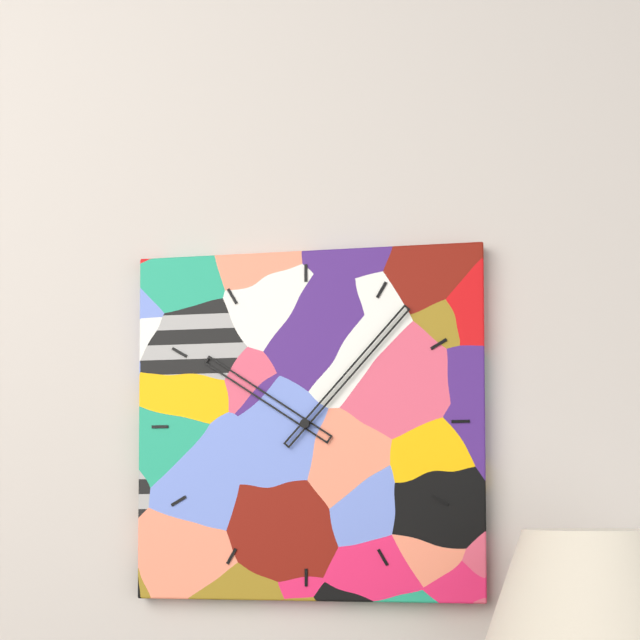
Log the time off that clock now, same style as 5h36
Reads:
10h07
